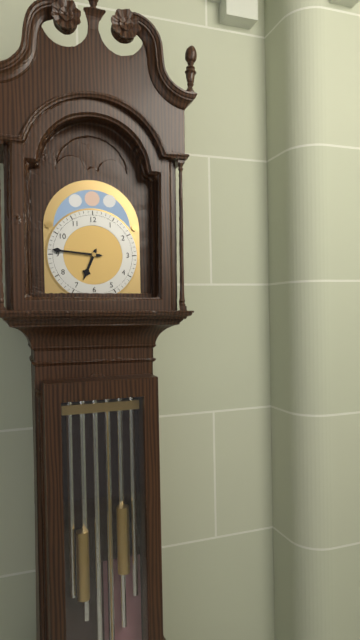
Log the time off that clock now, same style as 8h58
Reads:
6h46
